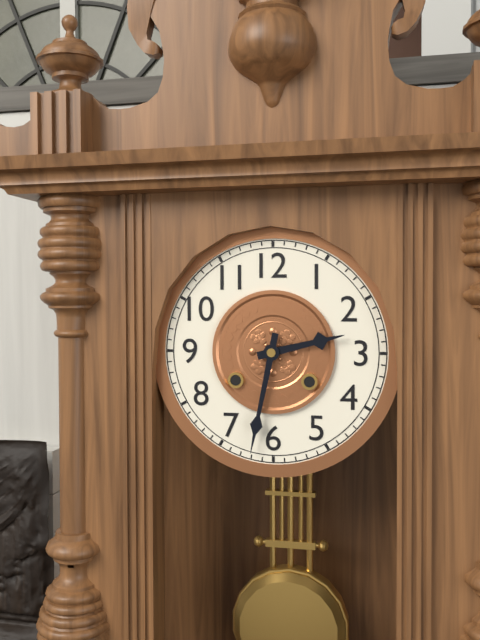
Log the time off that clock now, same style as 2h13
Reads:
2h32
